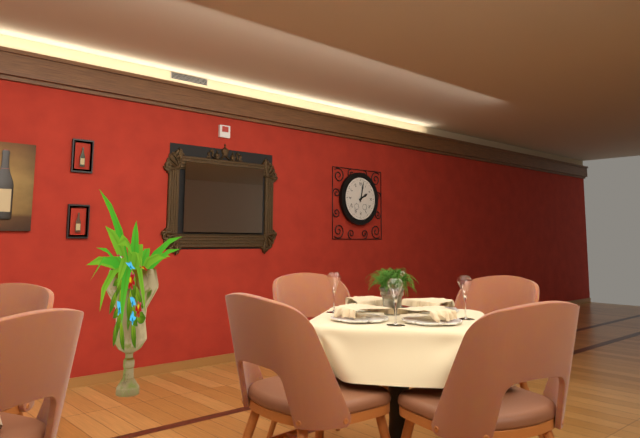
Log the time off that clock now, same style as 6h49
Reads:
2h02
